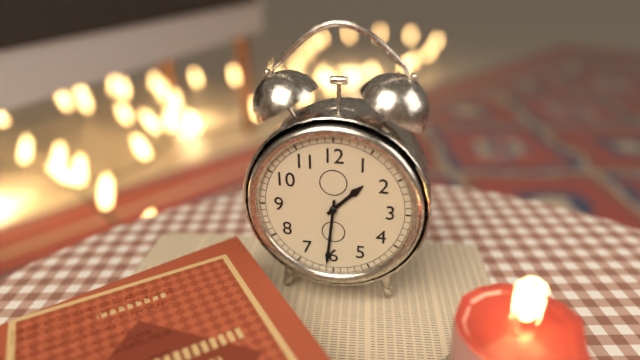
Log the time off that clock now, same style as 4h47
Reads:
1h31
